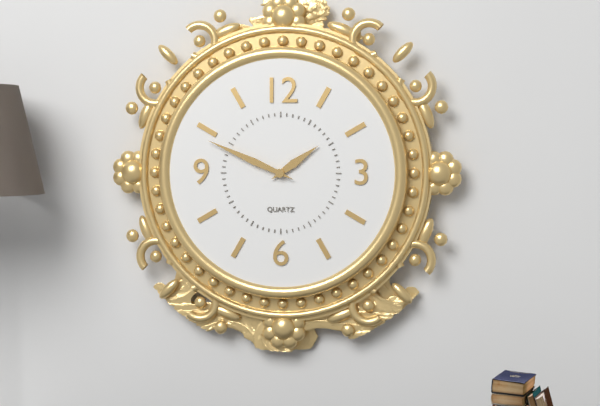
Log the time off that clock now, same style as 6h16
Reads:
1h49
